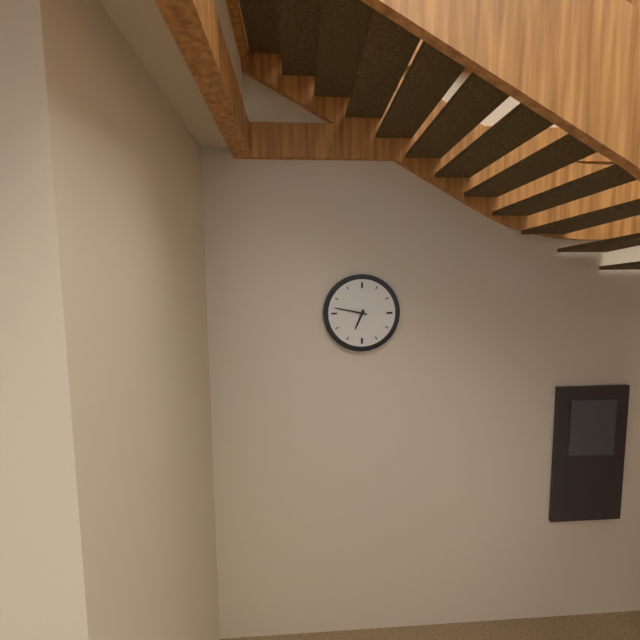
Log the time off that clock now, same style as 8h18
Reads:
6h47
